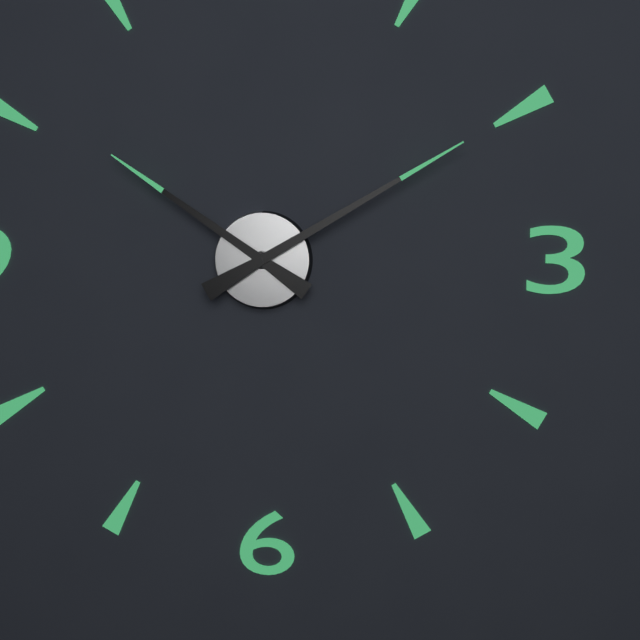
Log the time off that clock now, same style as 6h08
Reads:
10h10
